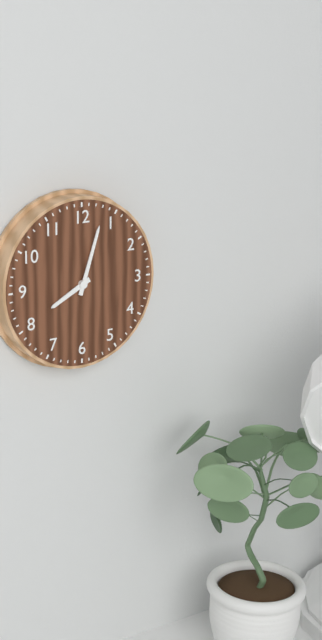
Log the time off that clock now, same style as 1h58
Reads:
8h03
